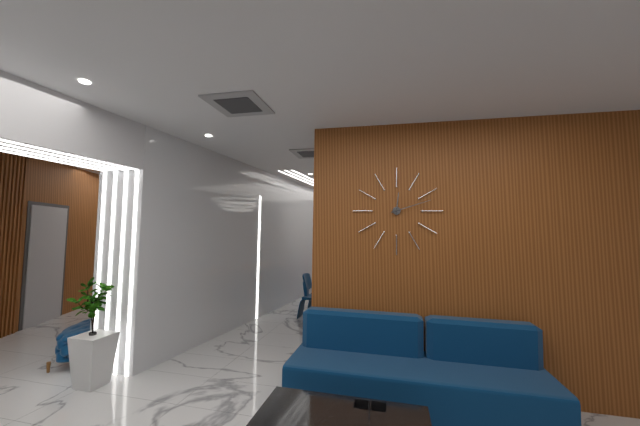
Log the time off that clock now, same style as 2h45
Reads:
12h12
